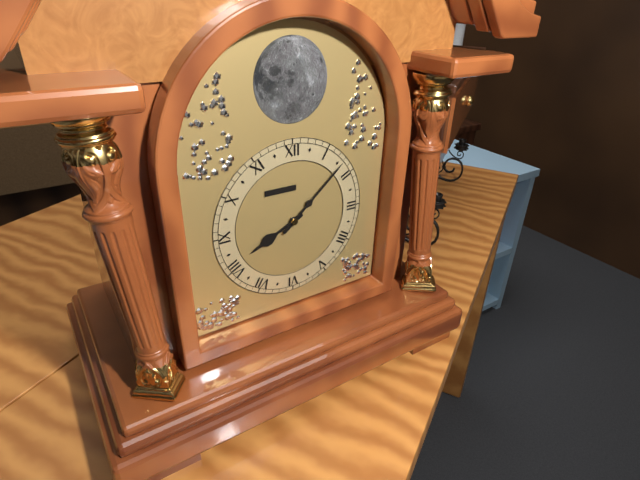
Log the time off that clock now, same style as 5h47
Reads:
8h08
